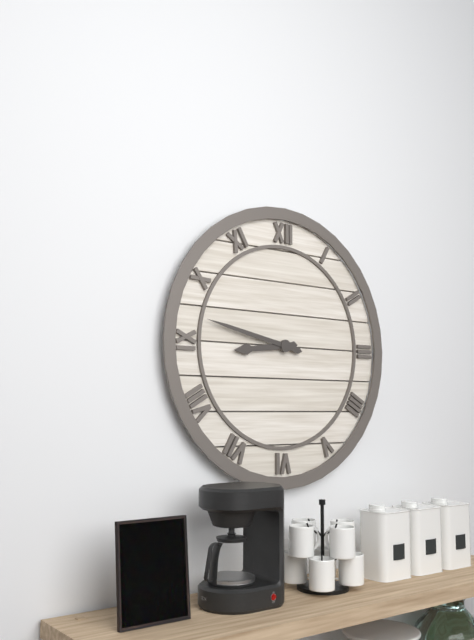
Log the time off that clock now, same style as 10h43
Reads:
8h47
